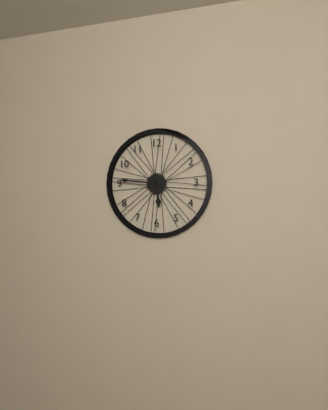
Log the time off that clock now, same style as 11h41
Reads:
5h46
